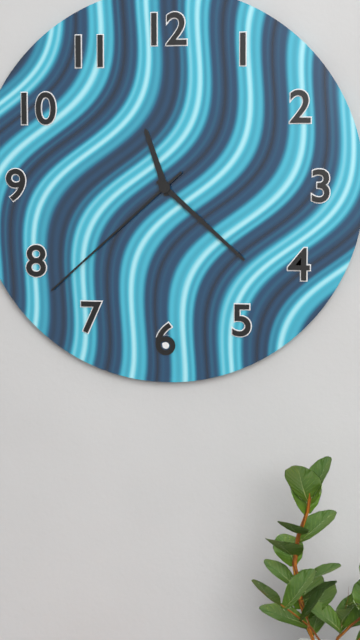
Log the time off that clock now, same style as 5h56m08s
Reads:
11h22m38s
